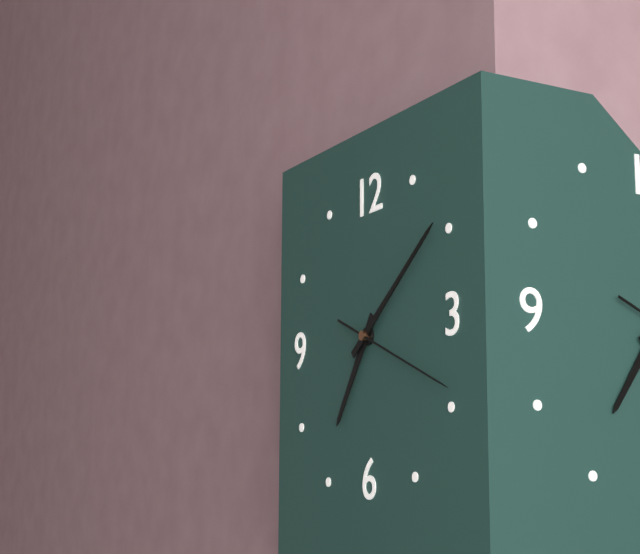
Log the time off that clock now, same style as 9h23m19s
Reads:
7h09m19s
